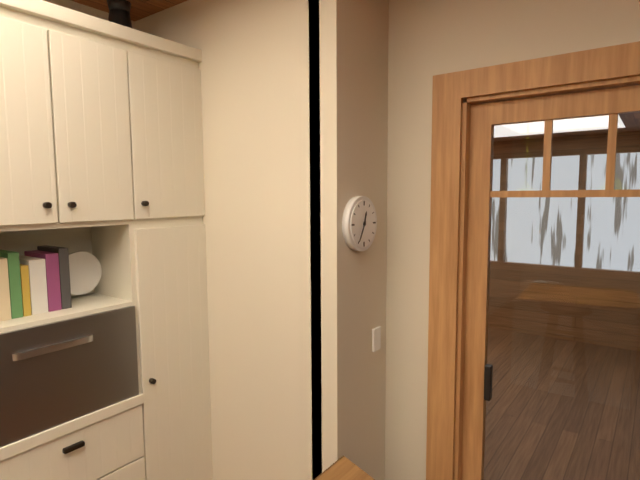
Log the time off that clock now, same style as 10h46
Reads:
12h35
